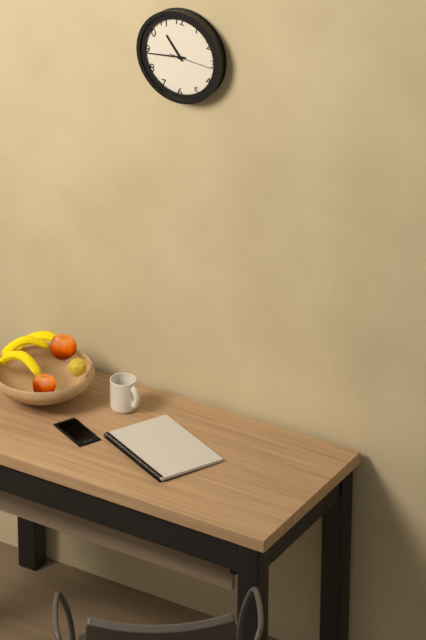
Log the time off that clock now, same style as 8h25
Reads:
10h44
